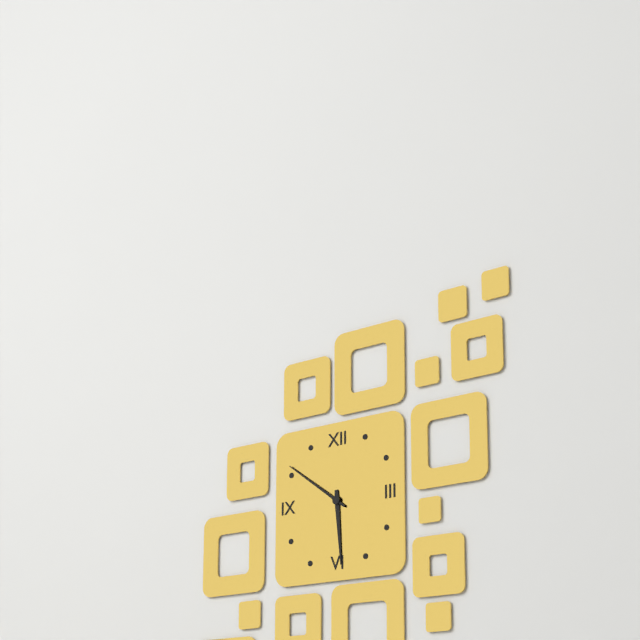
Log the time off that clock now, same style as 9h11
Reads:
5h51
